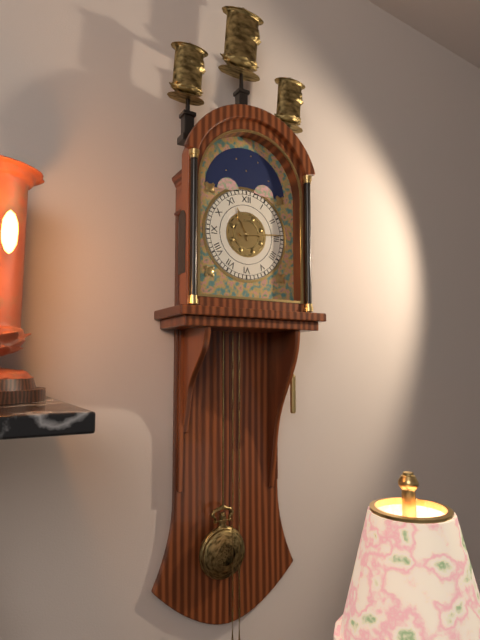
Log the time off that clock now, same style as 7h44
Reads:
11h14
